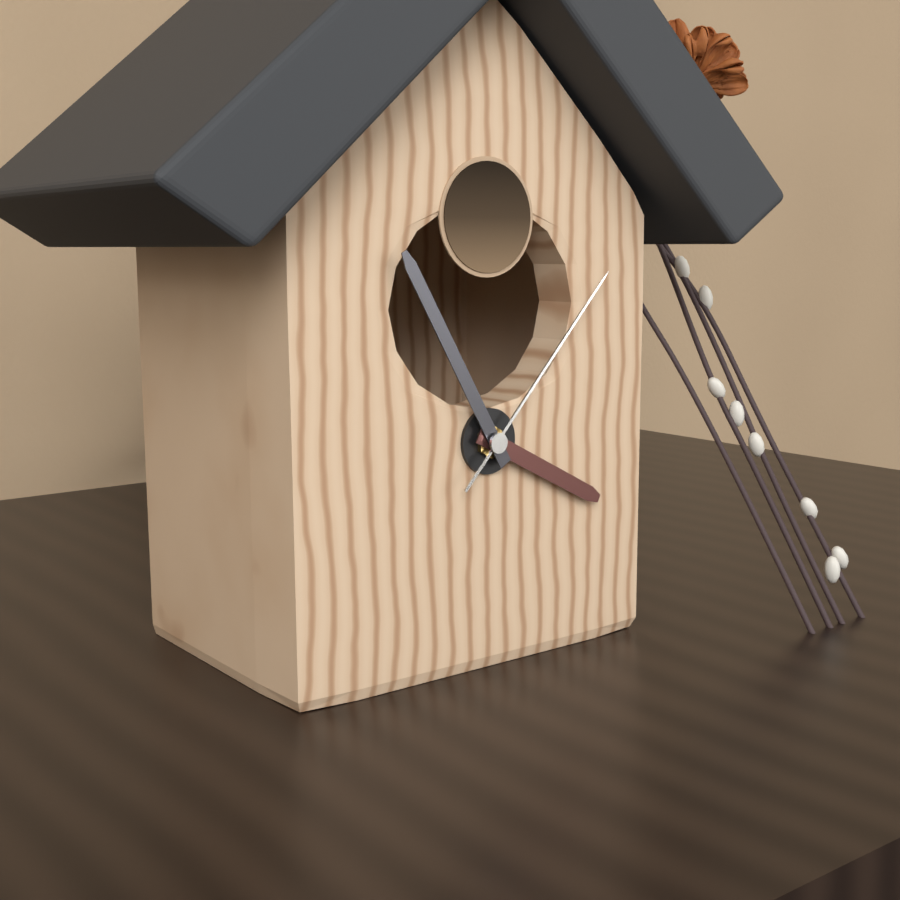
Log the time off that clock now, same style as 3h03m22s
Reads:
3h55m07s
